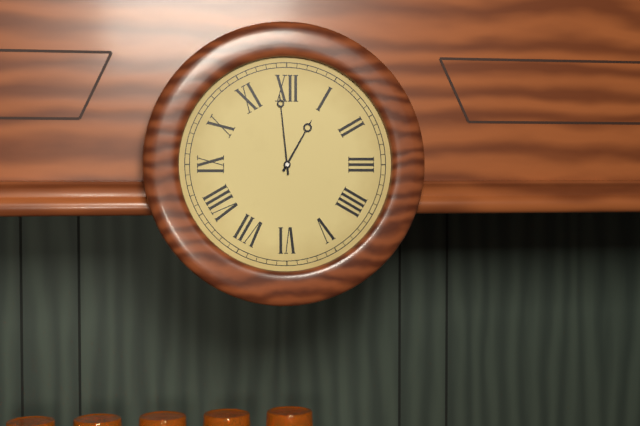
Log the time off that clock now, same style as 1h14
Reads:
12h59
